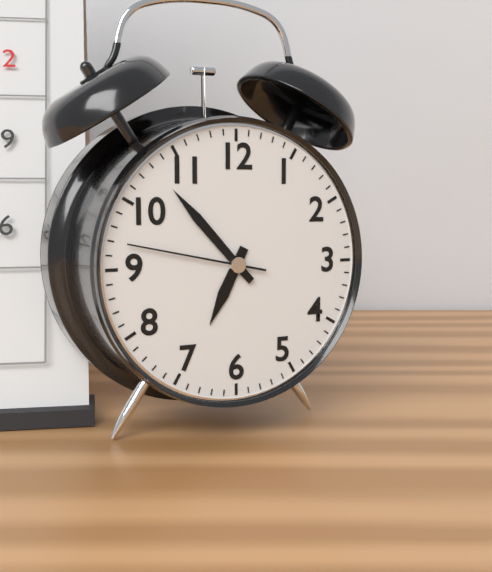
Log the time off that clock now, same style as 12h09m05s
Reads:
6h53m47s
